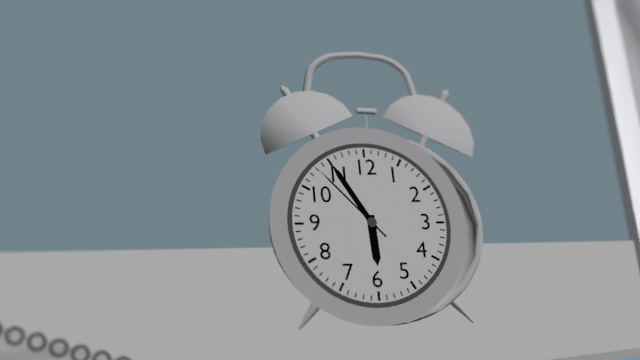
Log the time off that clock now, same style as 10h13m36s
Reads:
5h55m53s
